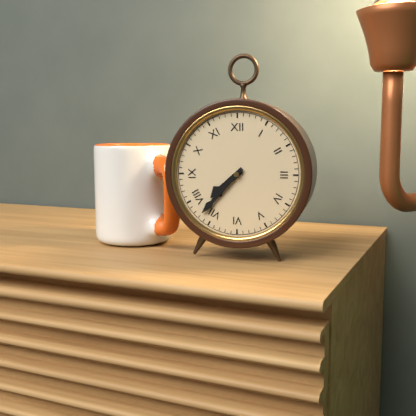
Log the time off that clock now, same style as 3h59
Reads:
7h37
